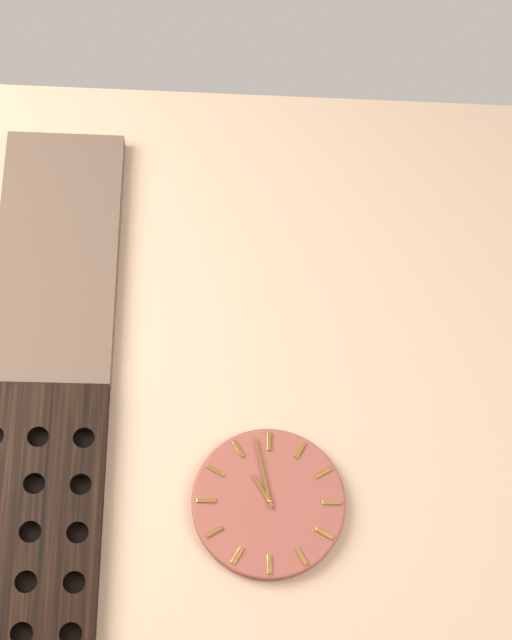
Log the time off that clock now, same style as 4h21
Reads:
10h58
